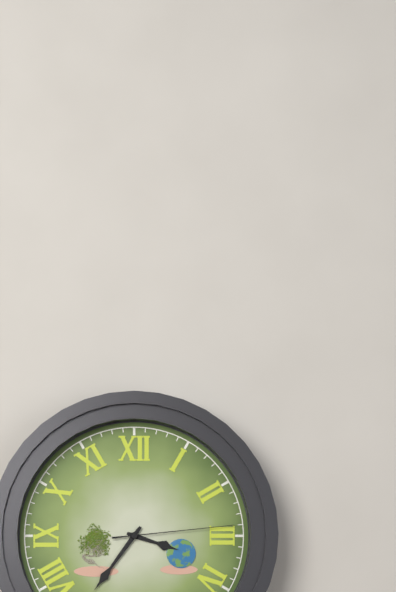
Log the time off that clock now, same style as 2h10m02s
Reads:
3h36m14s
